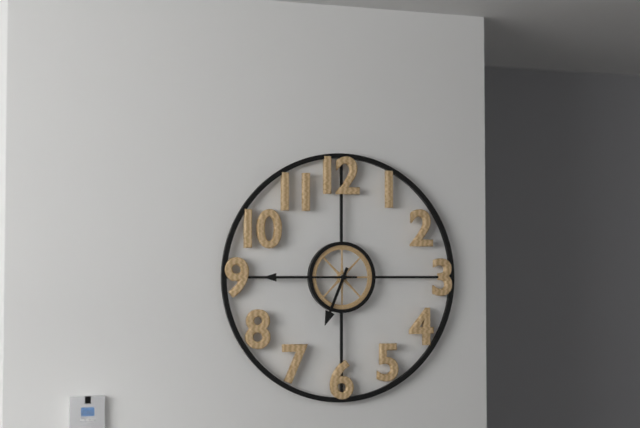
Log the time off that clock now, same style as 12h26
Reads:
6h45
